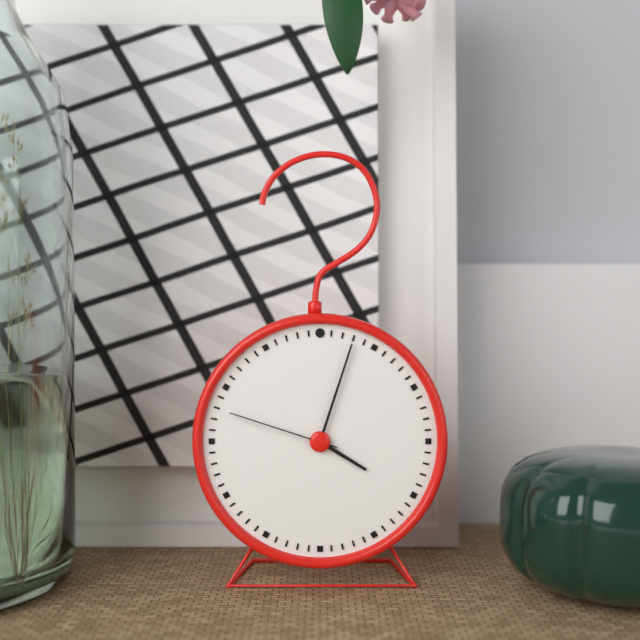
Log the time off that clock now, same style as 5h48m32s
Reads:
4h03m48s
